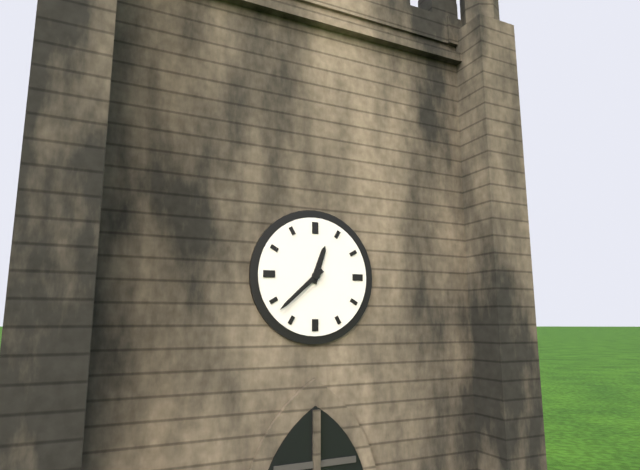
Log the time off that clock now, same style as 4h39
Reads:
12h38
